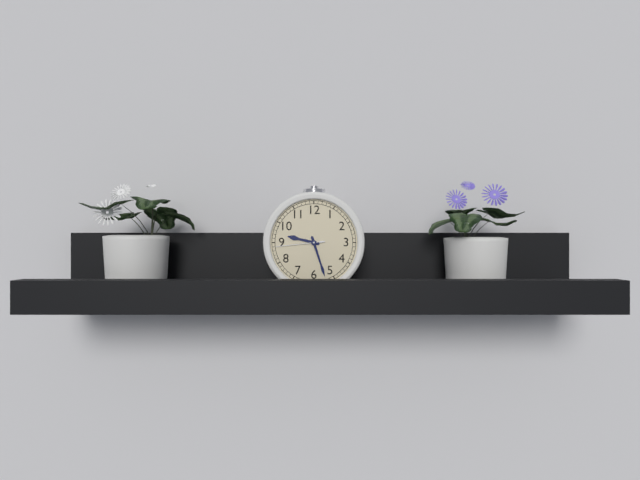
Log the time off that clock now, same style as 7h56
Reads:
9h27
